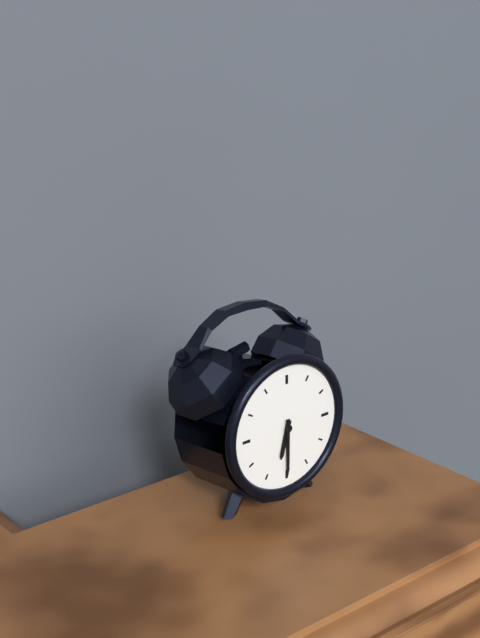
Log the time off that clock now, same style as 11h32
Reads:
6h30
